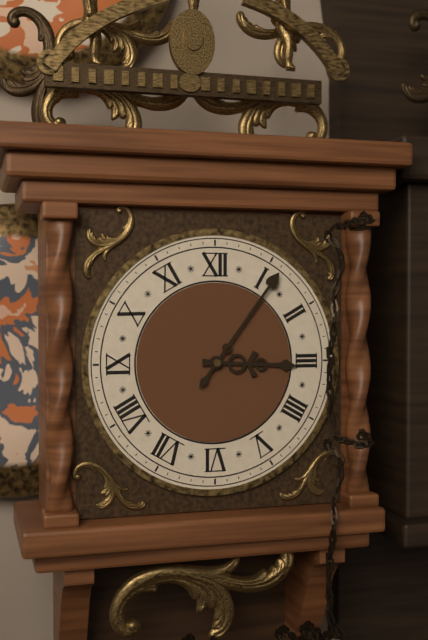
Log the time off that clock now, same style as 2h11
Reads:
3h06
